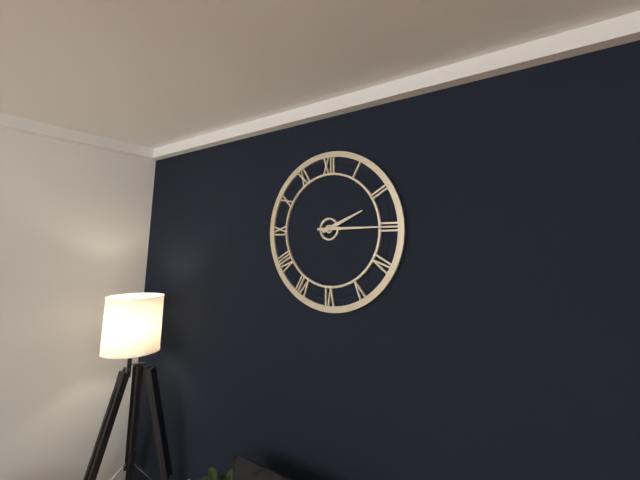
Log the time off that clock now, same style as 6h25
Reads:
2h15
